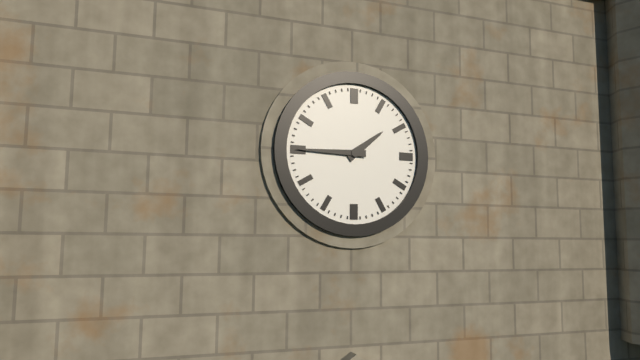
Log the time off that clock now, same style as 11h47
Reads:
1h45
